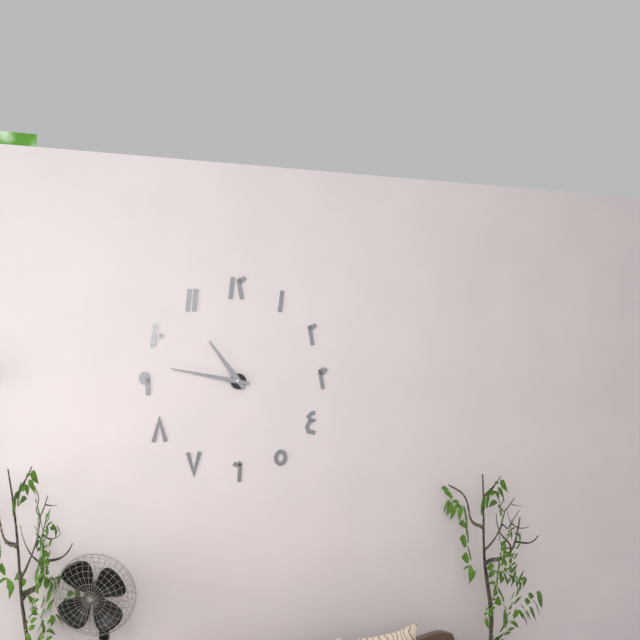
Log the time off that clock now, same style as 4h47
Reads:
10h47
